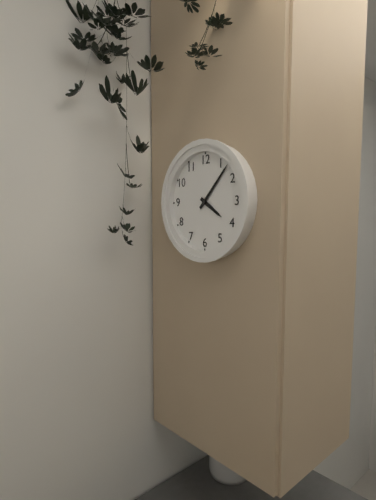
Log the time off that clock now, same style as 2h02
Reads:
4h07
